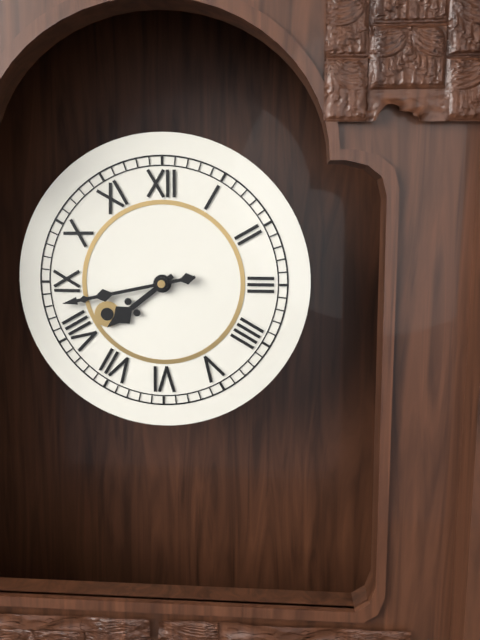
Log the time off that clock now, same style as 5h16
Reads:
7h43
